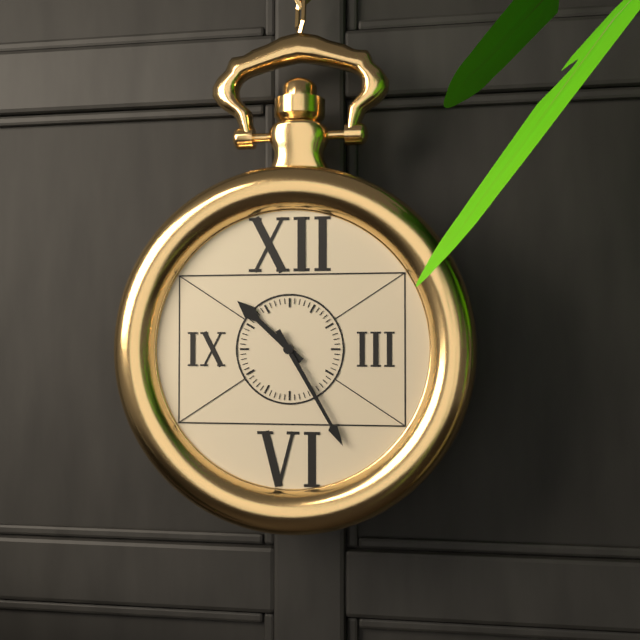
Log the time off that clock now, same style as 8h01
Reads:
10h25
